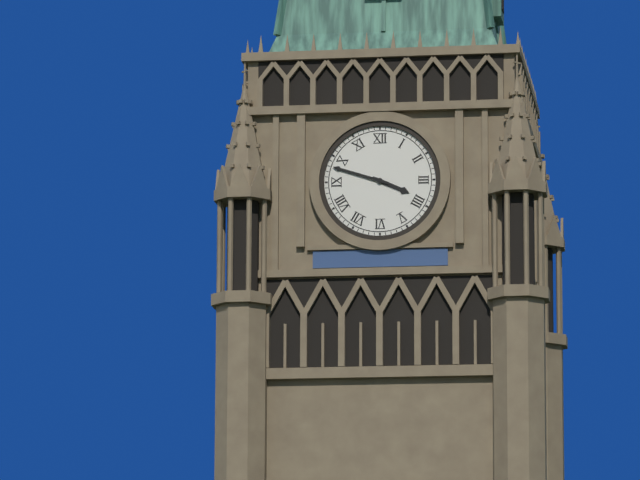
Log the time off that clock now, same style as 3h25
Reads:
3h48
